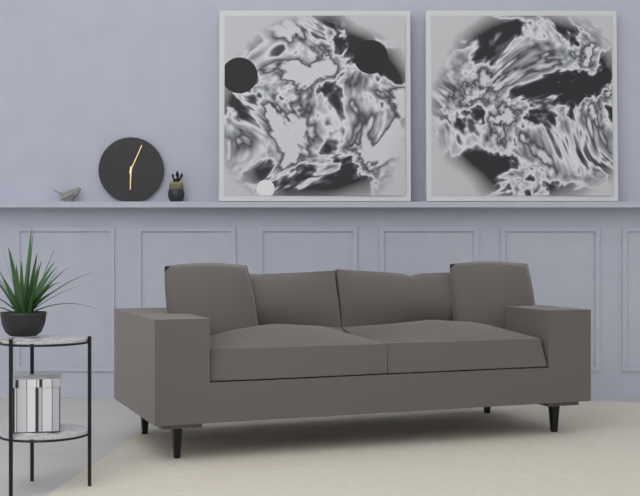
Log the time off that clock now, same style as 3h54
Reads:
6h04
